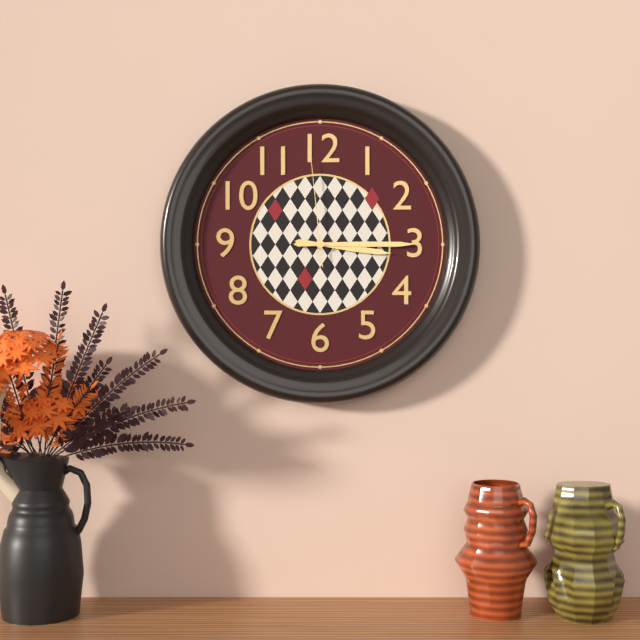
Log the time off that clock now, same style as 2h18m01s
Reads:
3h15m59s
